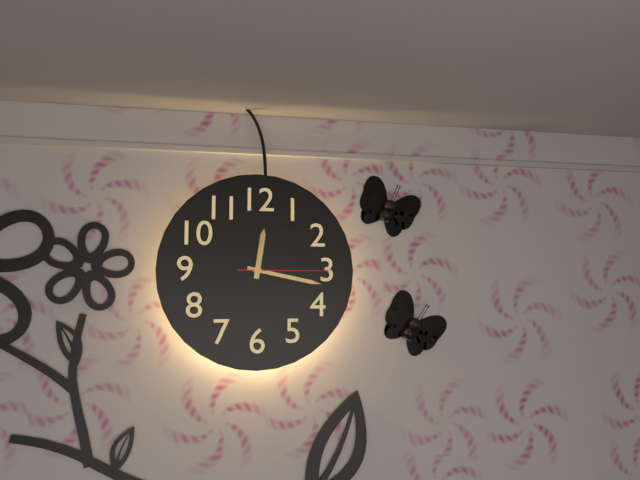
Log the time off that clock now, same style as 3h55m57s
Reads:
12h17m15s
